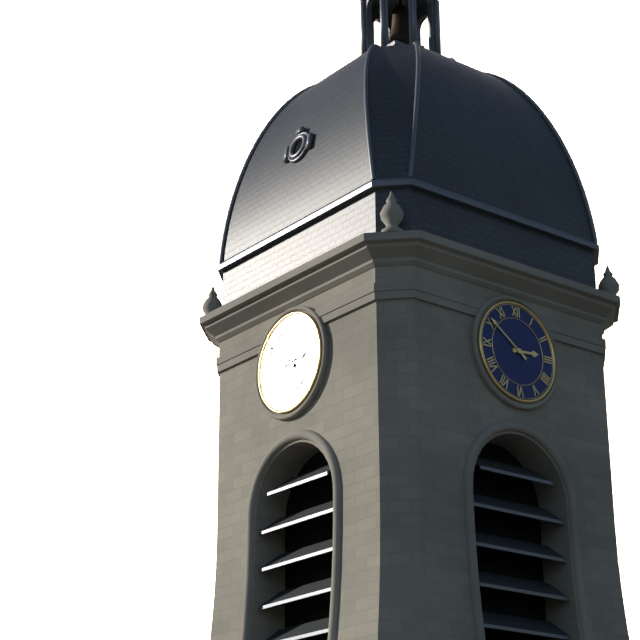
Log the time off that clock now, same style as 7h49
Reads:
2h51
